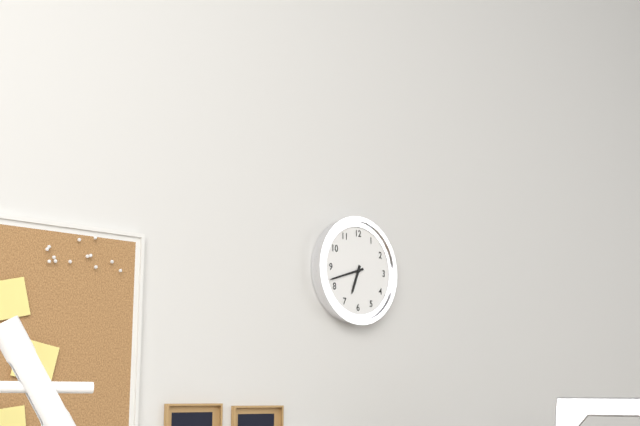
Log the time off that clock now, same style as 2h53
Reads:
6h42
